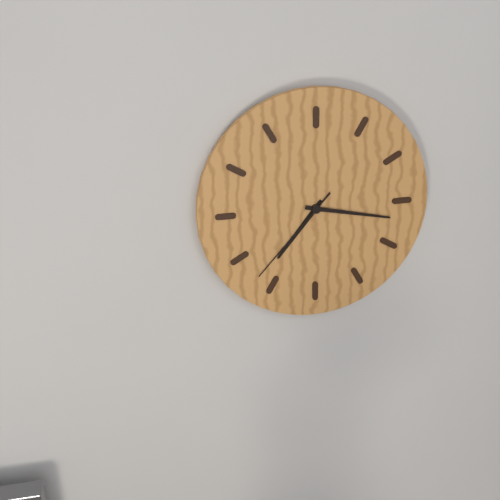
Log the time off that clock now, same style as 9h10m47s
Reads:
7h17m37s
